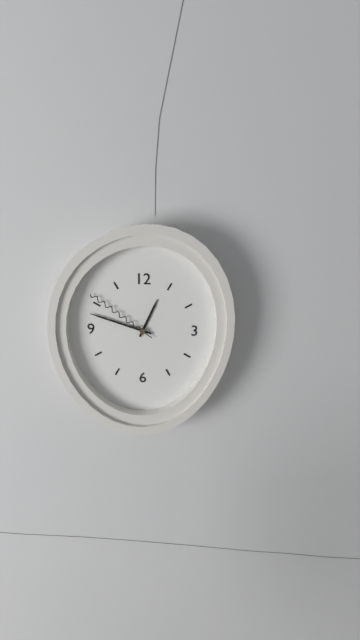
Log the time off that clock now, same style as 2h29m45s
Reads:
12h48m51s
